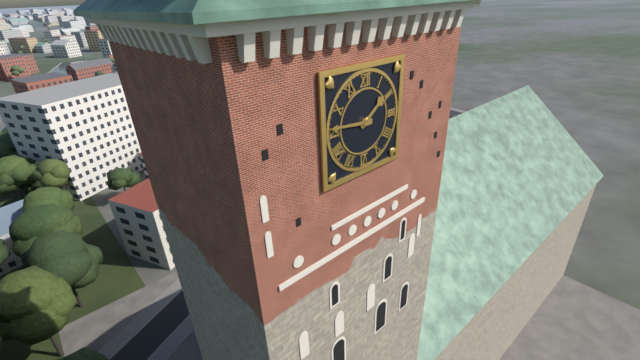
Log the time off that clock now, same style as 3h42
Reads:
1h46
